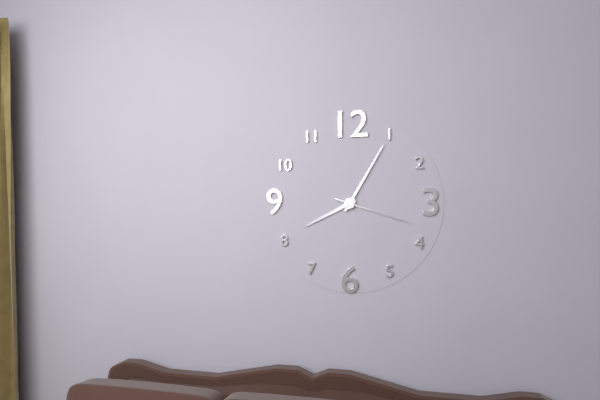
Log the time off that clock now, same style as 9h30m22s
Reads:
8h05m18s
